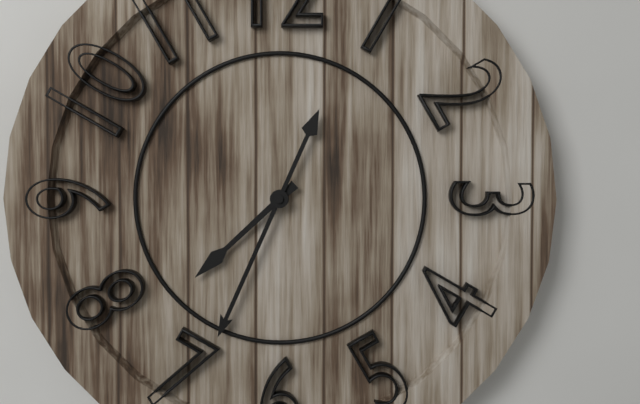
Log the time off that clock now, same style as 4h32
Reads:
7h34
